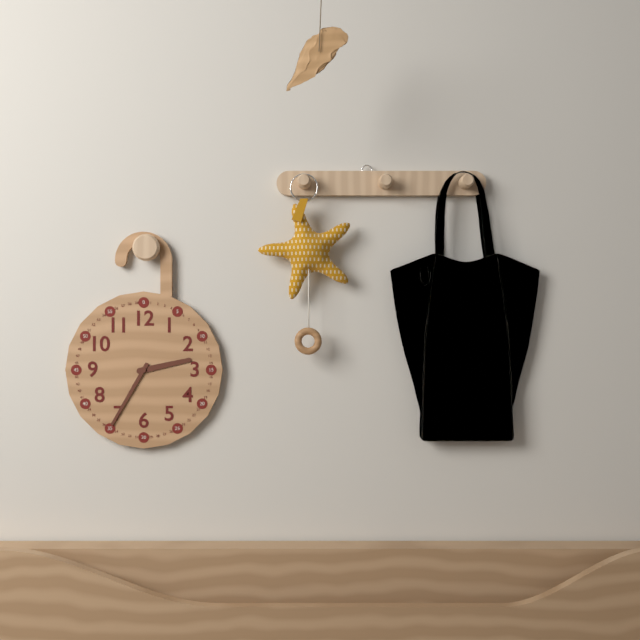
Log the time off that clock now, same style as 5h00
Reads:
2h35
